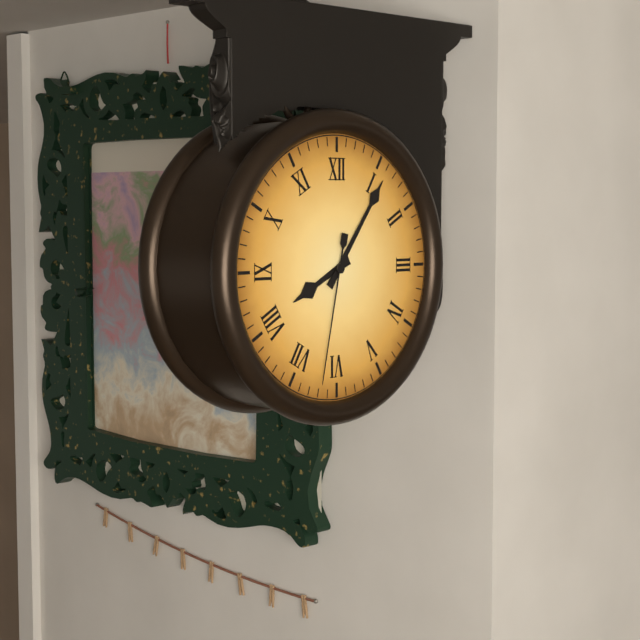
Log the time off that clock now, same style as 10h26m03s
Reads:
8h06m32s
